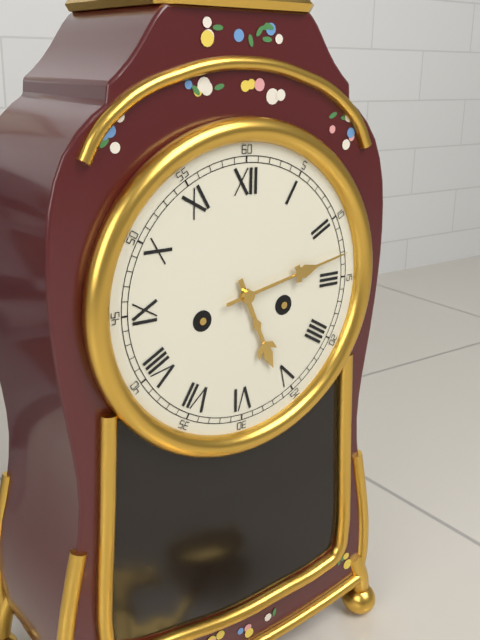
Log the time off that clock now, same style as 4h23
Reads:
5h13
